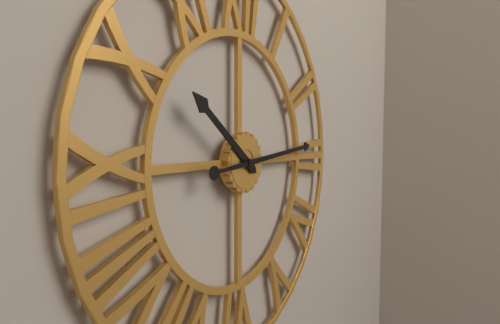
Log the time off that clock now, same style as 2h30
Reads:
10h14
